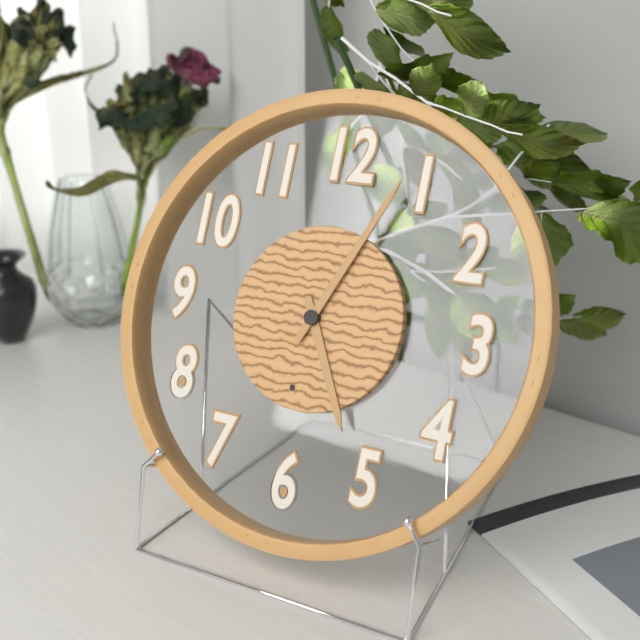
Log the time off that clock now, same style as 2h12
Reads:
5h04
